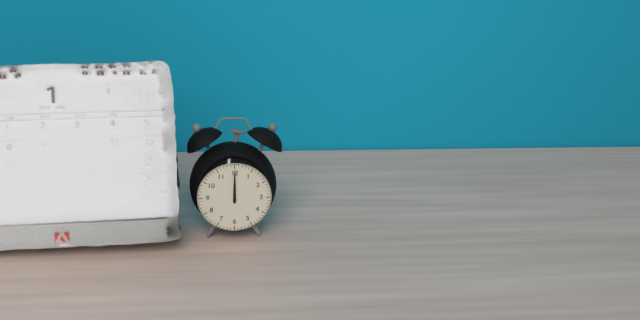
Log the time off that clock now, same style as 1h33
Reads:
12h00
